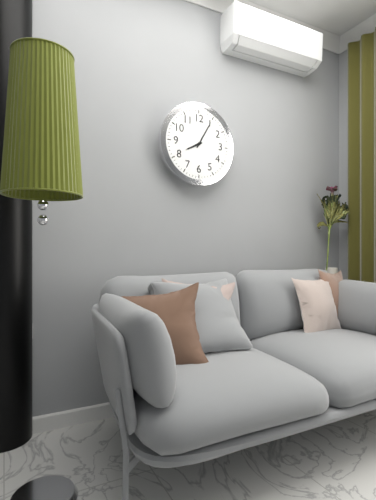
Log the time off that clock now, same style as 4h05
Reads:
8h05
